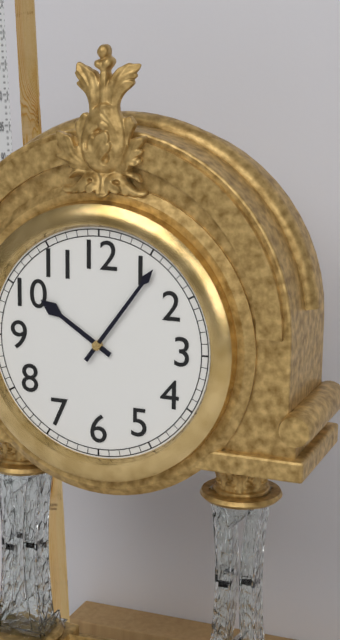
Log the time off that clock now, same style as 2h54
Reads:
10h06
